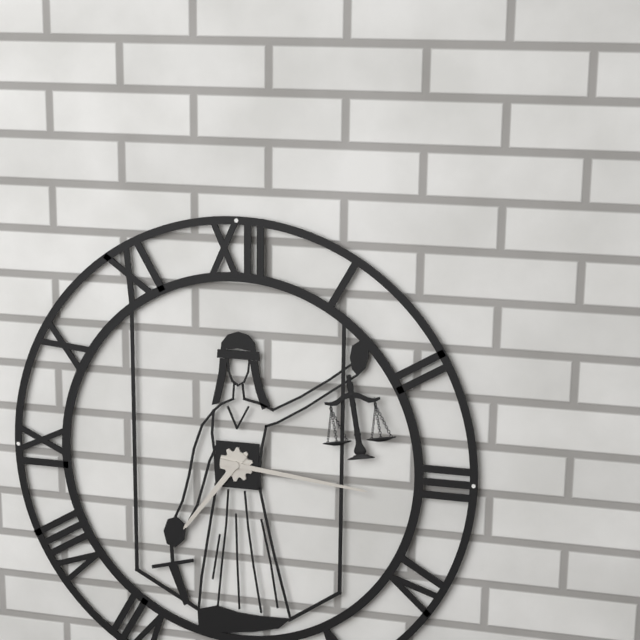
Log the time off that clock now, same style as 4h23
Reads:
7h16
